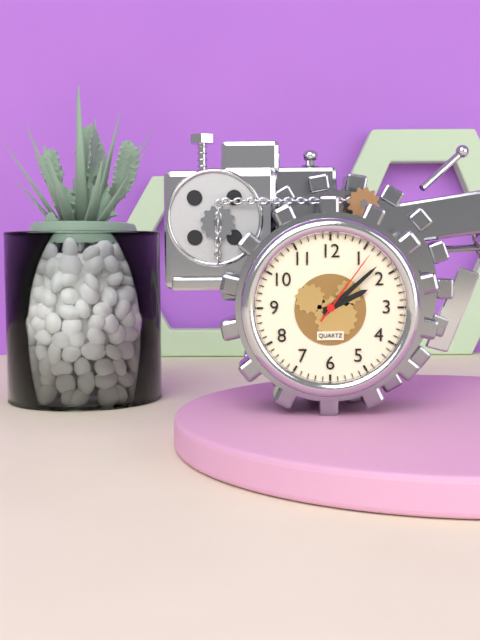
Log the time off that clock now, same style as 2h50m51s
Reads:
2h08m06s
